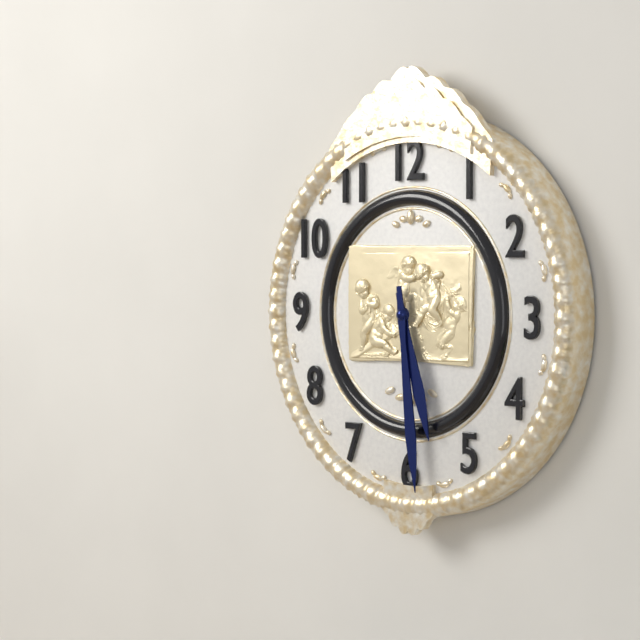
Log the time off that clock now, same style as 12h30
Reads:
5h29
